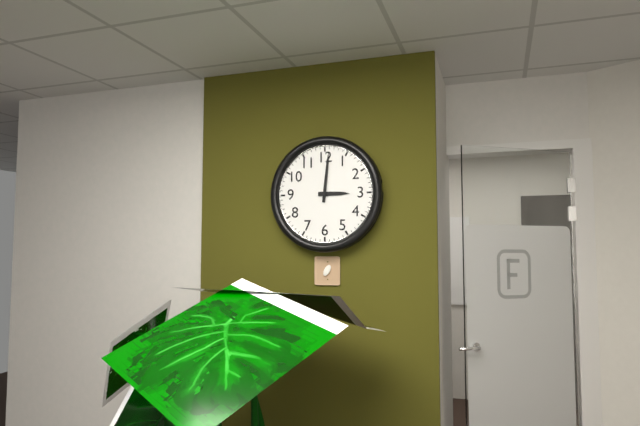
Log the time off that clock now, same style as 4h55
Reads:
3h01
